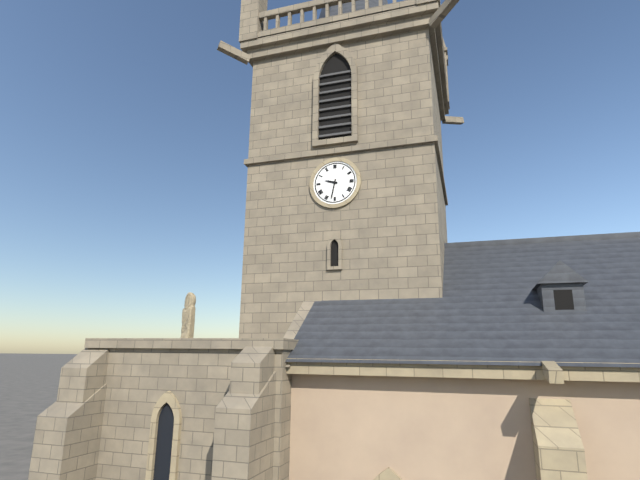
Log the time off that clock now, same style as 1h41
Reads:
9h32
